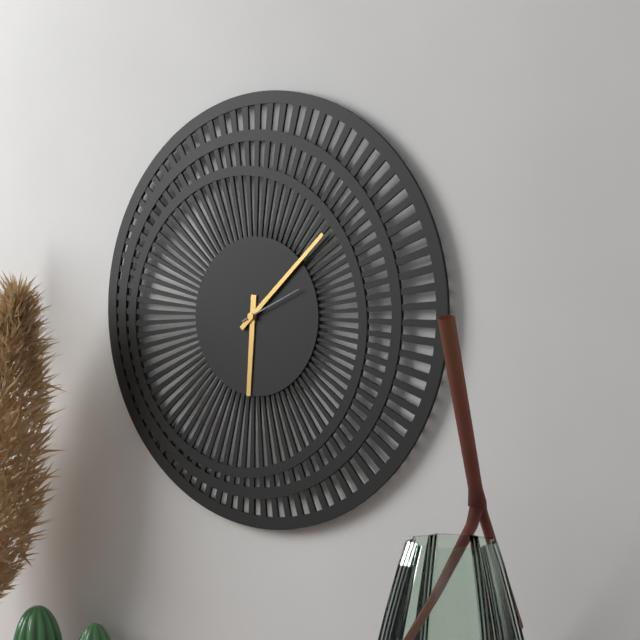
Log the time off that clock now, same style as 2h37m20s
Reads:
6h08m11s
